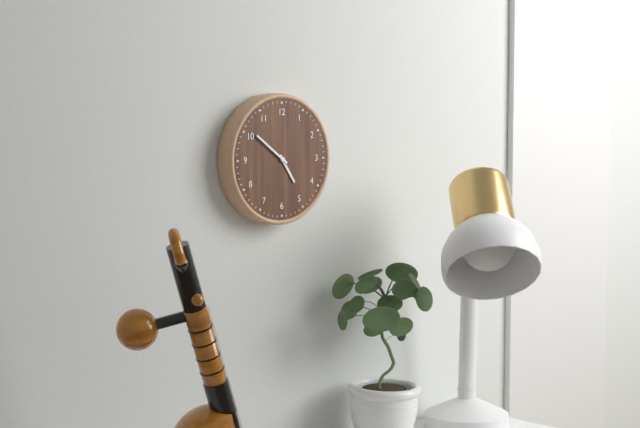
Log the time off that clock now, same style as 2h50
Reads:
4h51
